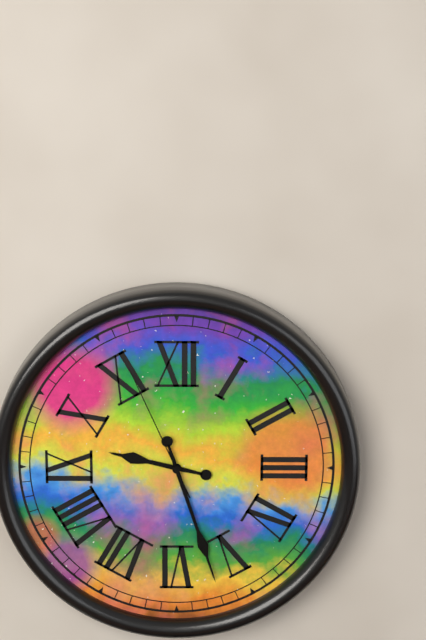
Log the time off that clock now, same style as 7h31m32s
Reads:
9h27m56s
